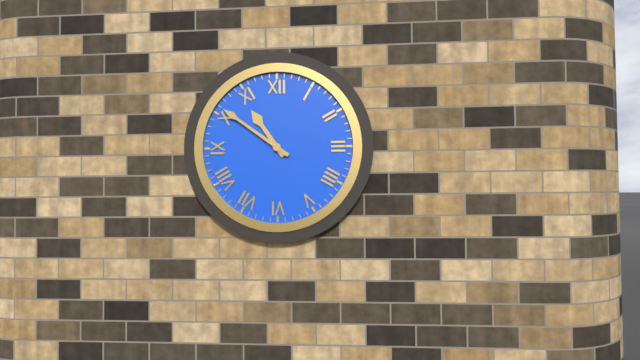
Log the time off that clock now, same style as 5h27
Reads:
10h51
